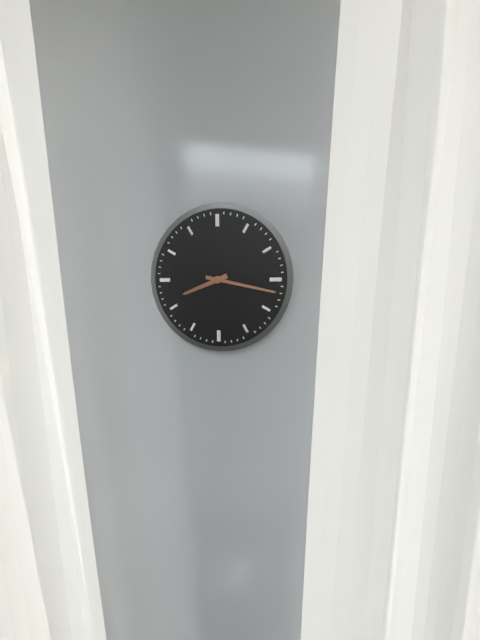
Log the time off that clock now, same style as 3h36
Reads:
8h17
